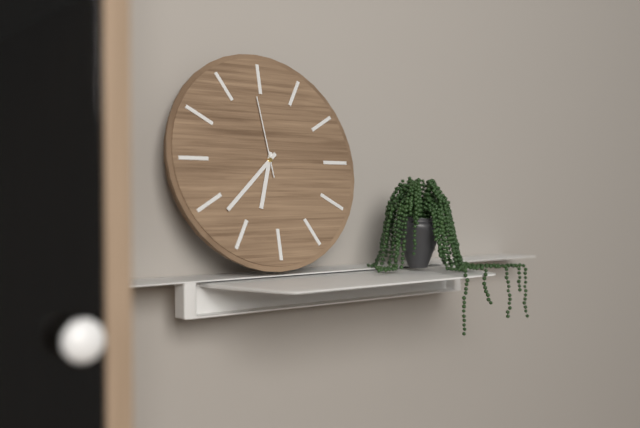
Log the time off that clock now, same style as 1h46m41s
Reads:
6h38m59s
